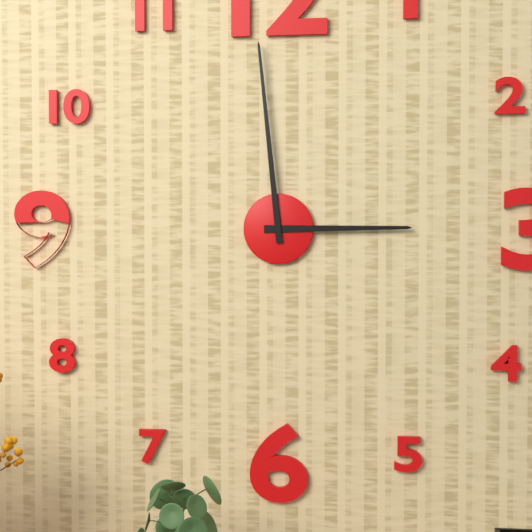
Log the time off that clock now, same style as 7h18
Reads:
2h59
